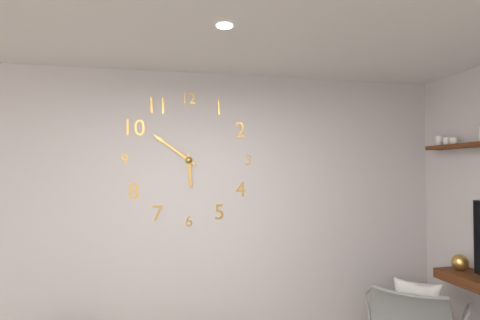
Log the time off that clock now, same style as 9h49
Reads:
5h51
